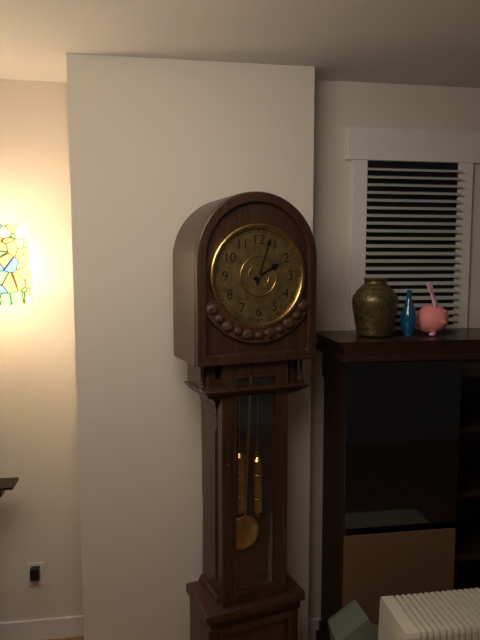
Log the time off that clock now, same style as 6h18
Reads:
2h03
